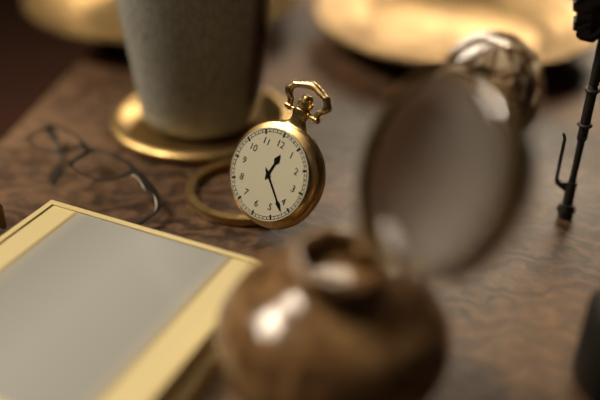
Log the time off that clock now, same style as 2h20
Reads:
12h22
